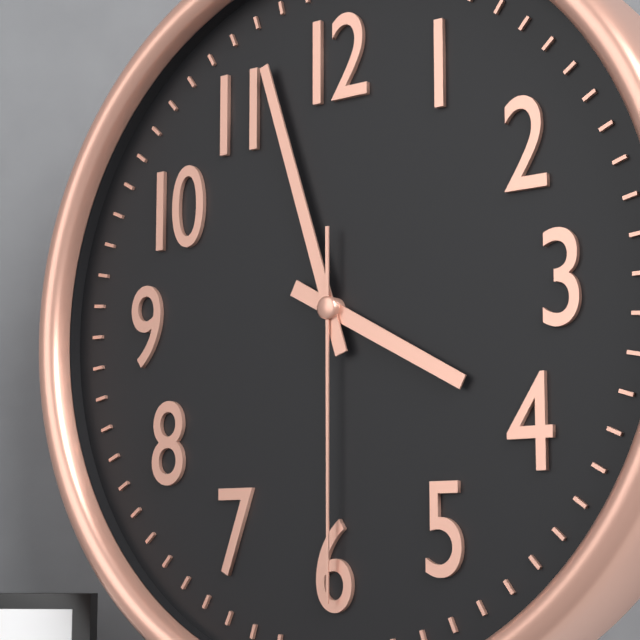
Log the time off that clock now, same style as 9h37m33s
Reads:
3h57m30s
